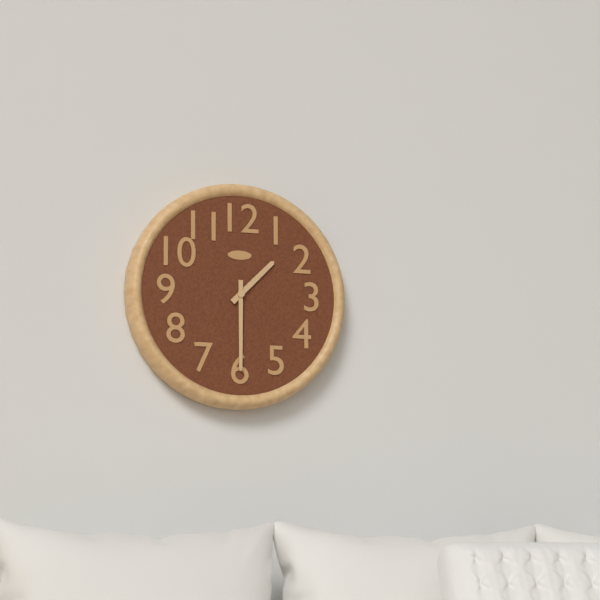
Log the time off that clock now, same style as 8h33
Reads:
1h30
